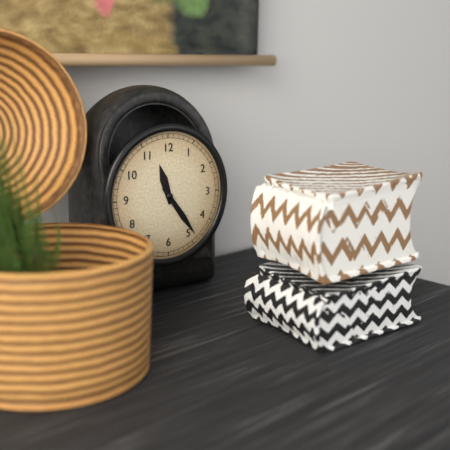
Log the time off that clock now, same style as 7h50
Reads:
11h24
